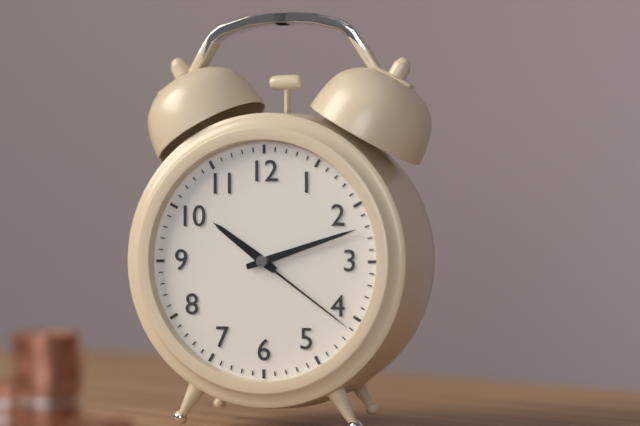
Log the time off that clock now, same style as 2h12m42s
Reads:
10h12m21s
